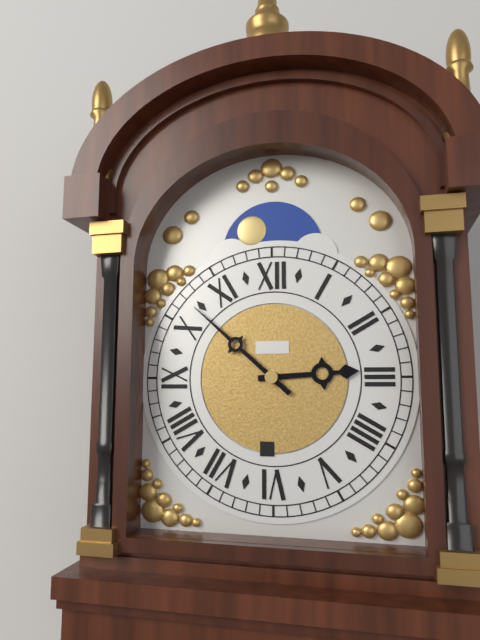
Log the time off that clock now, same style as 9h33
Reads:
2h52
